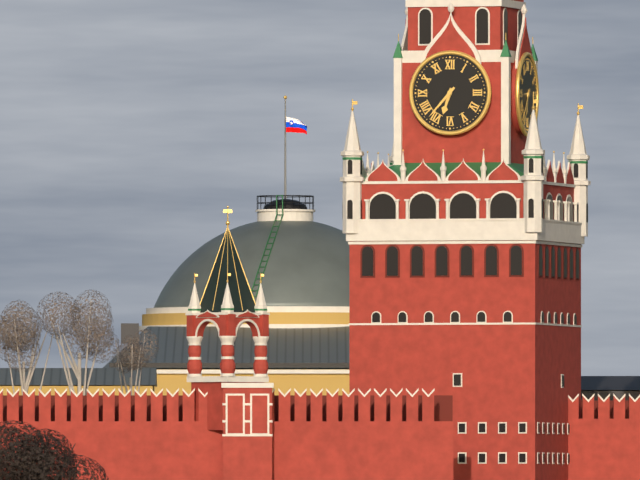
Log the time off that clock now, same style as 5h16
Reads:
6h37
